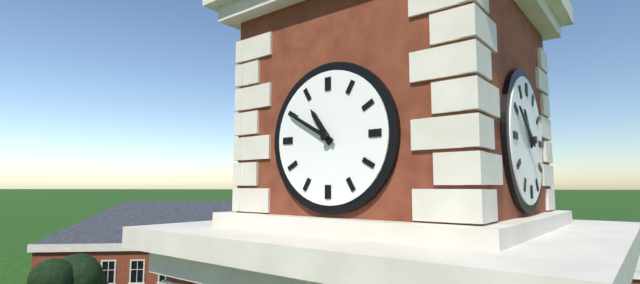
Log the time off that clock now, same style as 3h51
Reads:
10h50
